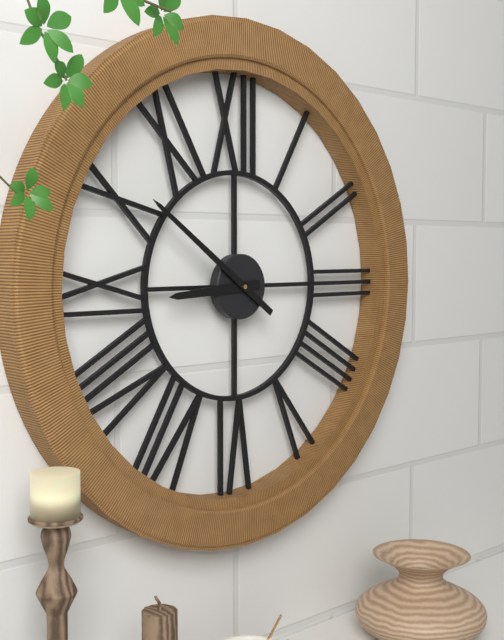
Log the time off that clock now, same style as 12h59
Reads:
8h51
